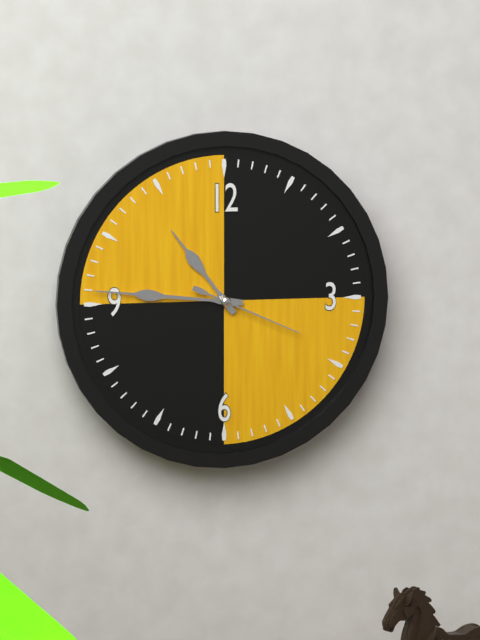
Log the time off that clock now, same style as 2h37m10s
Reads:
10h46m19s
